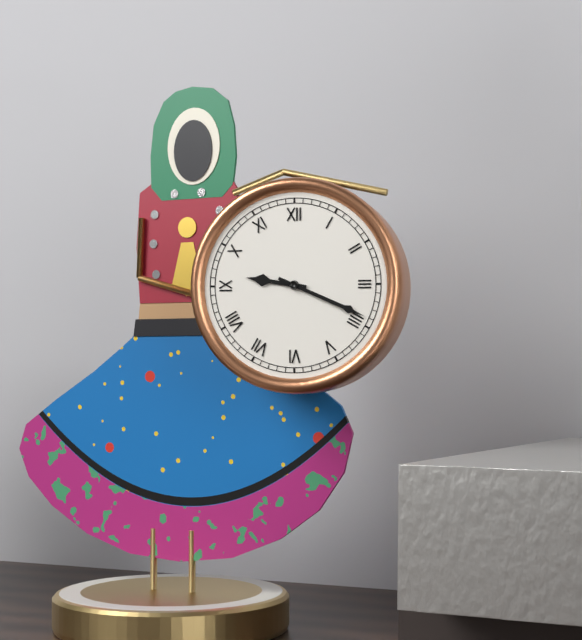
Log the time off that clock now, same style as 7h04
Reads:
9h19
